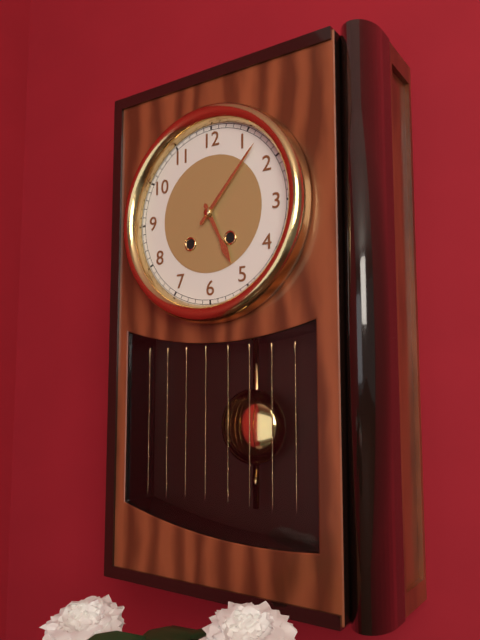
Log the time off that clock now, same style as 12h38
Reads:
5h07
